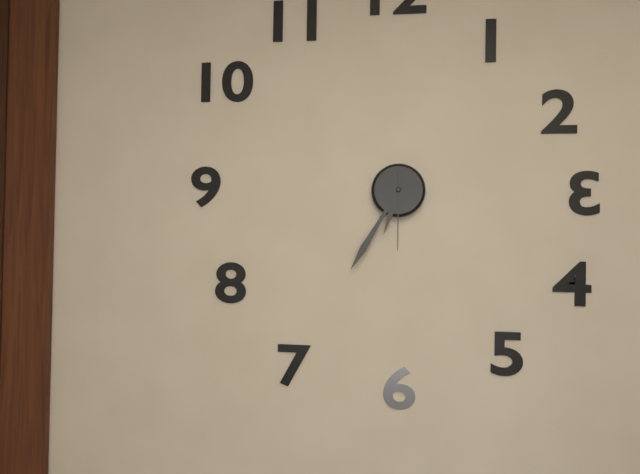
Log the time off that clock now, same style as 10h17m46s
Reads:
6h35m30s
